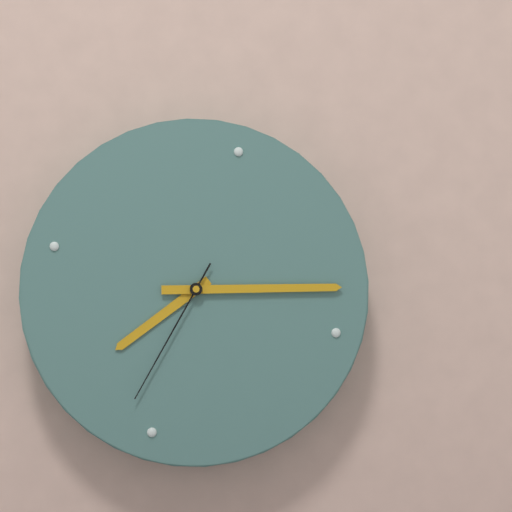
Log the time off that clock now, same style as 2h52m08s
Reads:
7h12m32s
